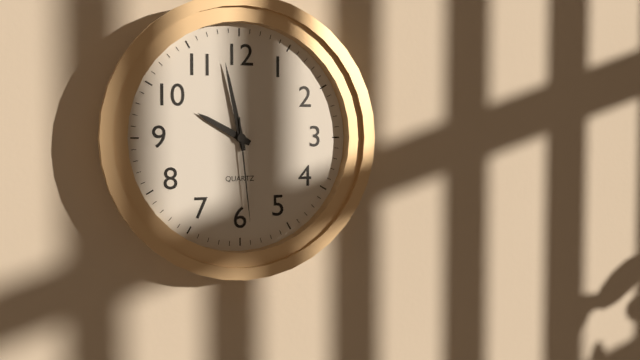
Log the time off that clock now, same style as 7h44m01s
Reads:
9h58m29s
